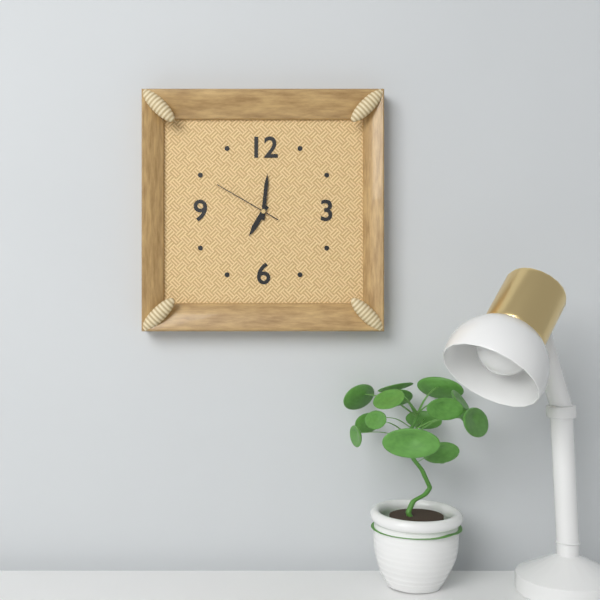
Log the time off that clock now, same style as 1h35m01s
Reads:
7h01m50s
